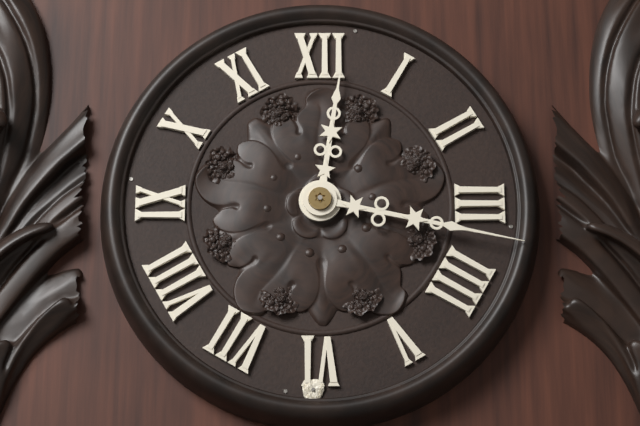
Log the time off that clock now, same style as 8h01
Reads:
12h17
